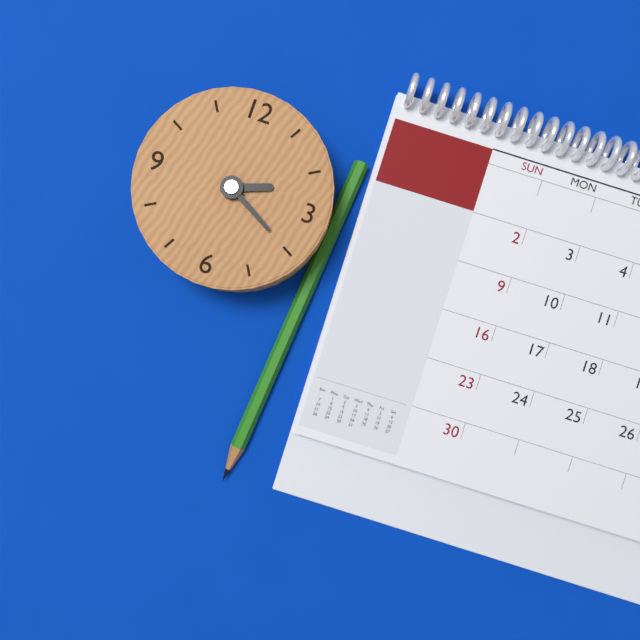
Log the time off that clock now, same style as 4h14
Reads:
2h20
